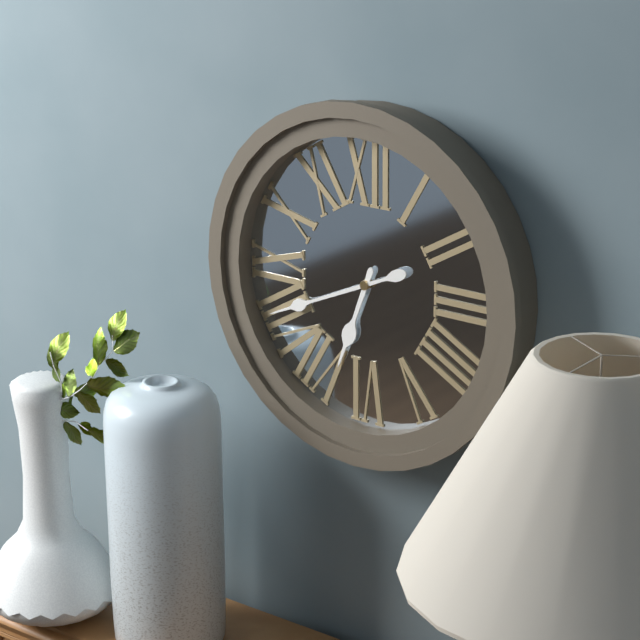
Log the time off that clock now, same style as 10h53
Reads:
6h41
